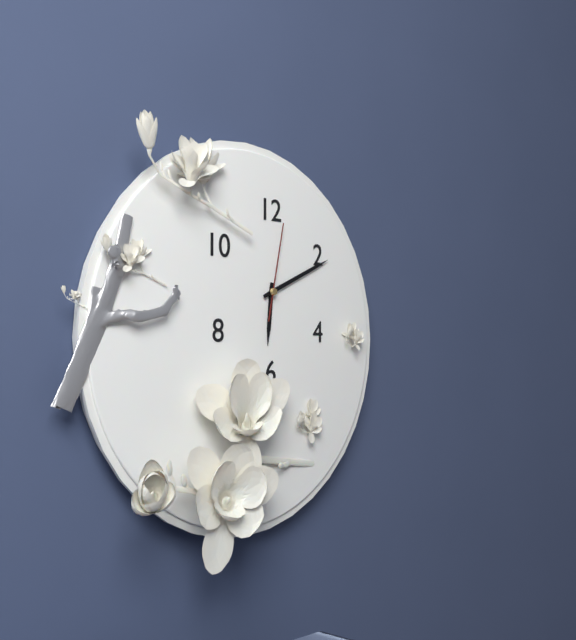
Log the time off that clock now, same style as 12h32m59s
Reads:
6h11m02s
